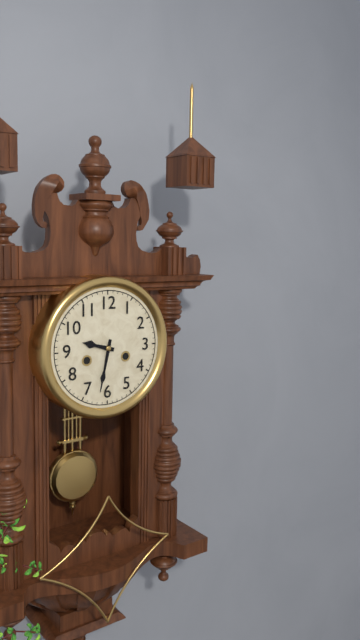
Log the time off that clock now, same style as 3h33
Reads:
9h32
